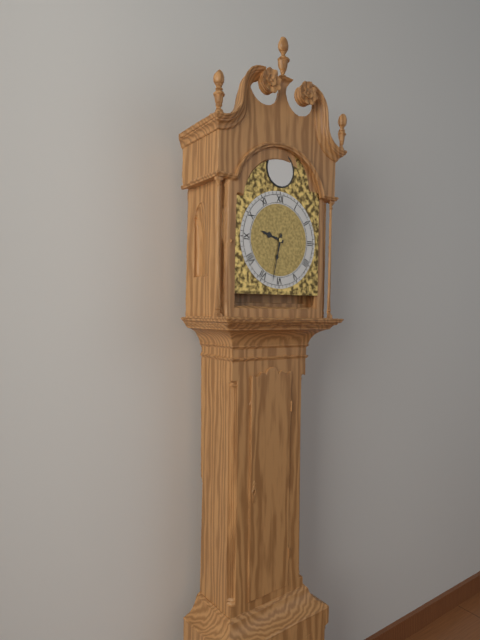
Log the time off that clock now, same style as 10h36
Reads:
9h32
